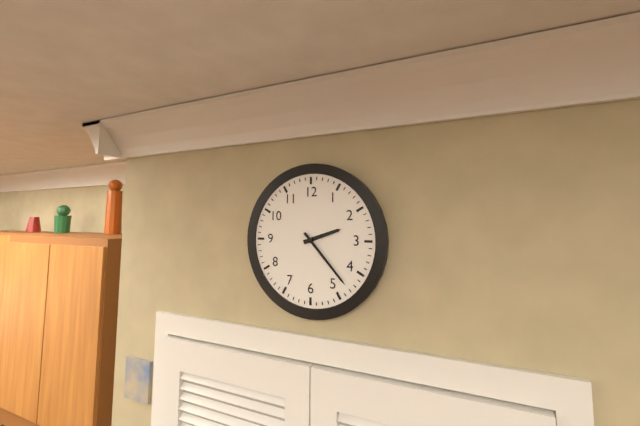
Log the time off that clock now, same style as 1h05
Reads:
2h23
